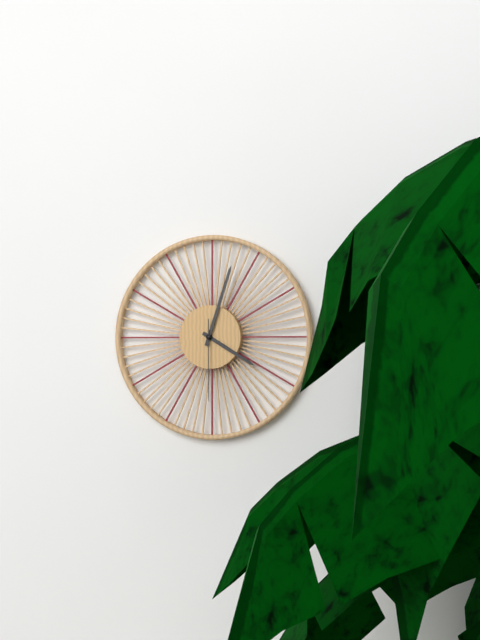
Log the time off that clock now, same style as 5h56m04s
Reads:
4h03m30s
